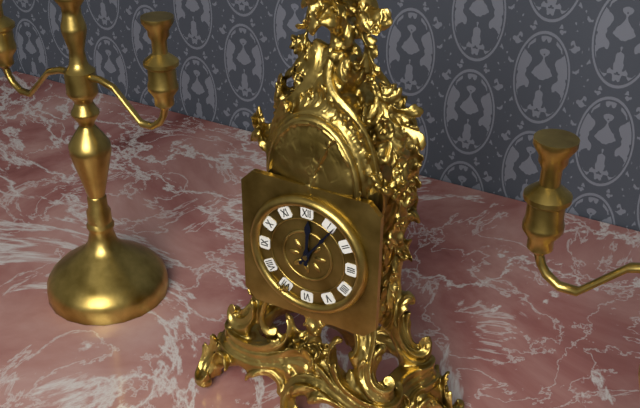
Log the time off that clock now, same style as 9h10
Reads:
12h06
